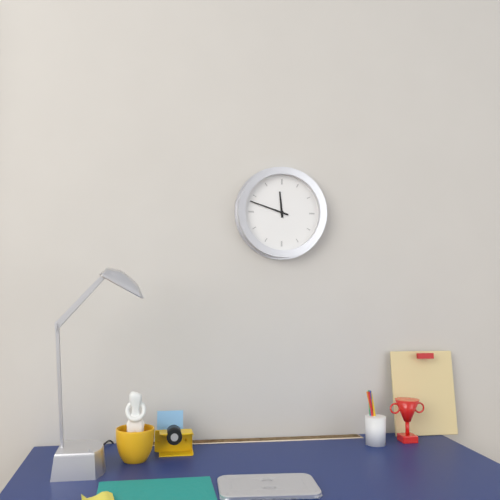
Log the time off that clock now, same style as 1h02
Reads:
11h48
